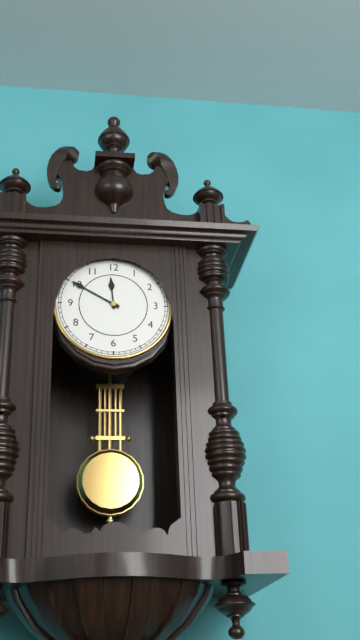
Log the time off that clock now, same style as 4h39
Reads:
11h50
